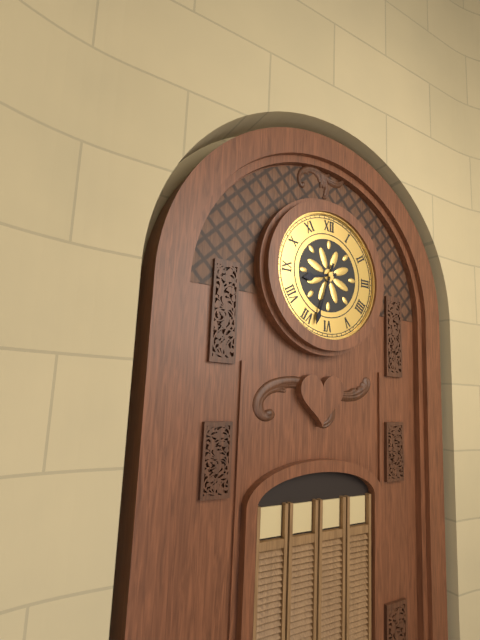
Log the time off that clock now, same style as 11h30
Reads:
8h33
